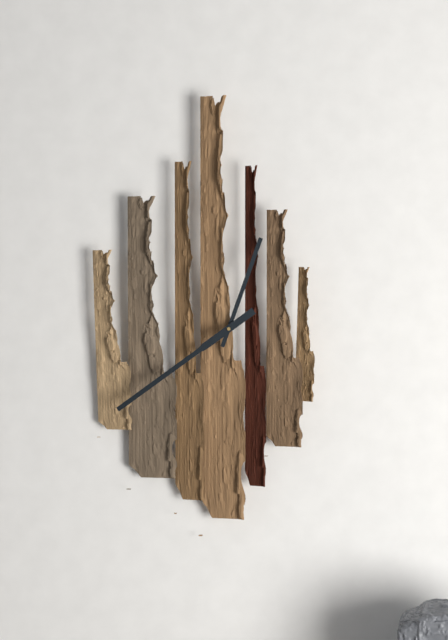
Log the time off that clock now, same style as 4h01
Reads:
12h39
